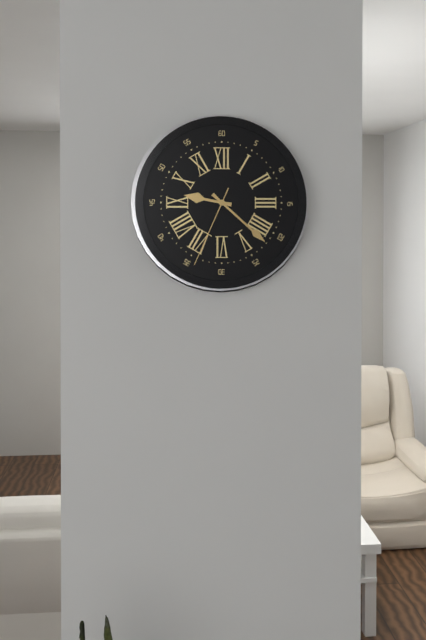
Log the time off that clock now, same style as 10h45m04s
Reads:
9h22m34s
